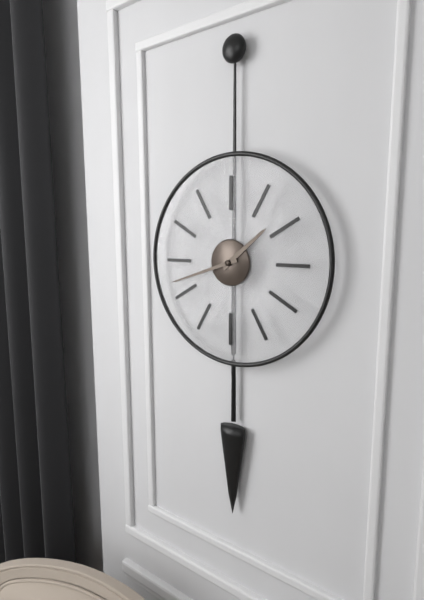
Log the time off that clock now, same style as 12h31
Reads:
1h42
